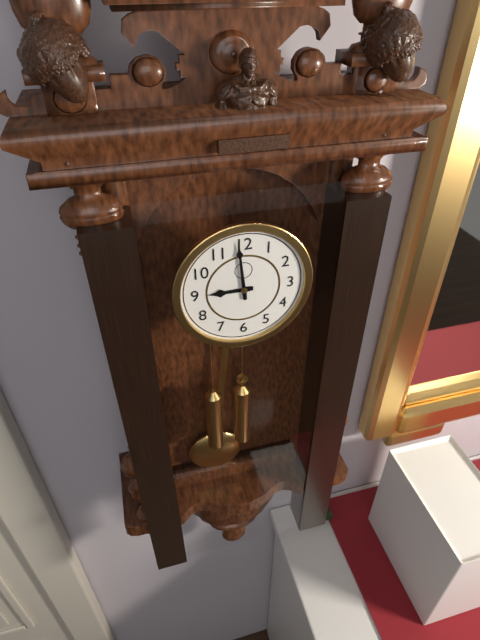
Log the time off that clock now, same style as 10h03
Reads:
8h59
